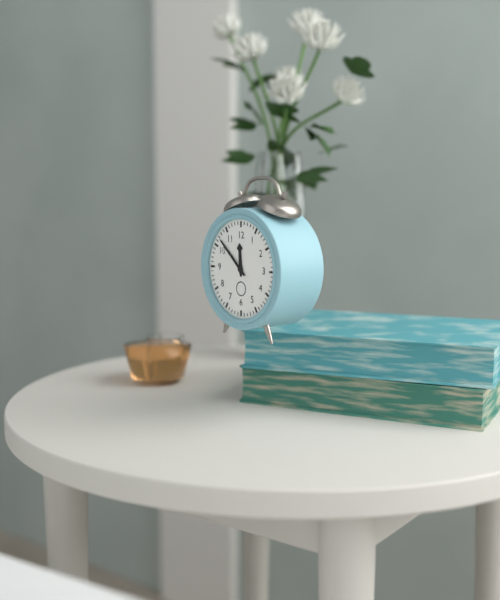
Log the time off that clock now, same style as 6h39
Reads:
11h52
